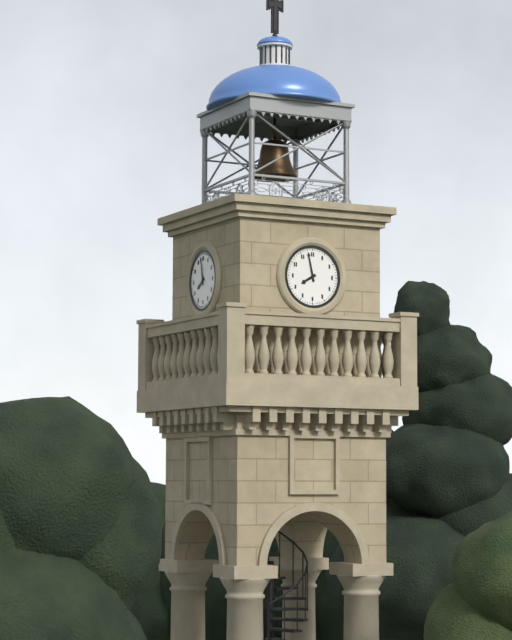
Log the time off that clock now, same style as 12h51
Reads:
7h58
